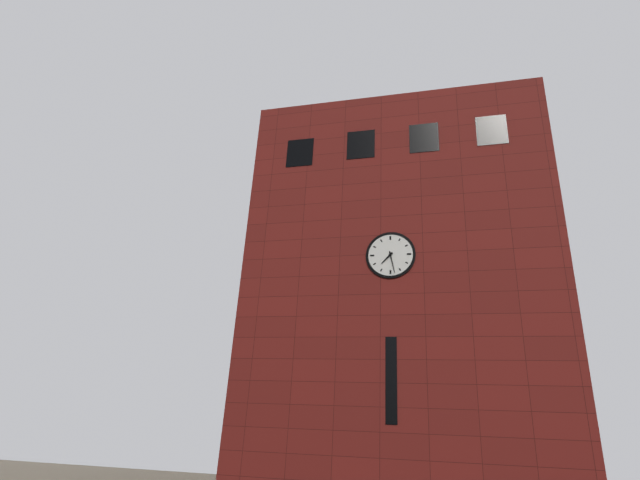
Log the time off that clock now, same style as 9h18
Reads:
7h28
